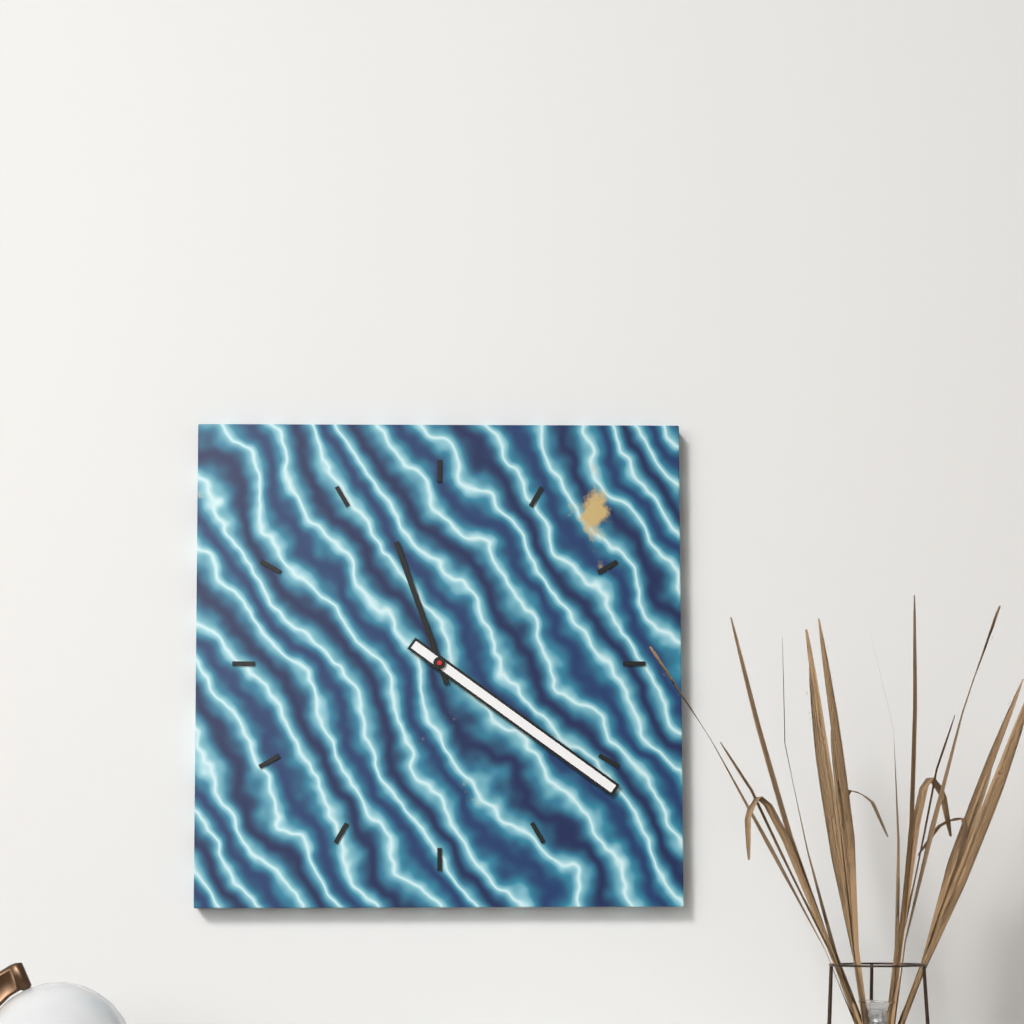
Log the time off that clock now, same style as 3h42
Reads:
11h21
